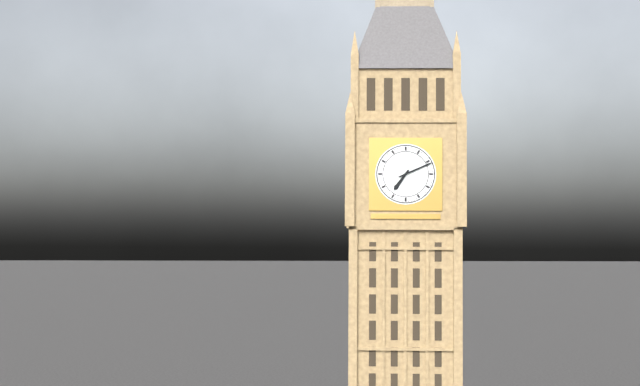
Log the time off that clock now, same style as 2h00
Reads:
7h11
